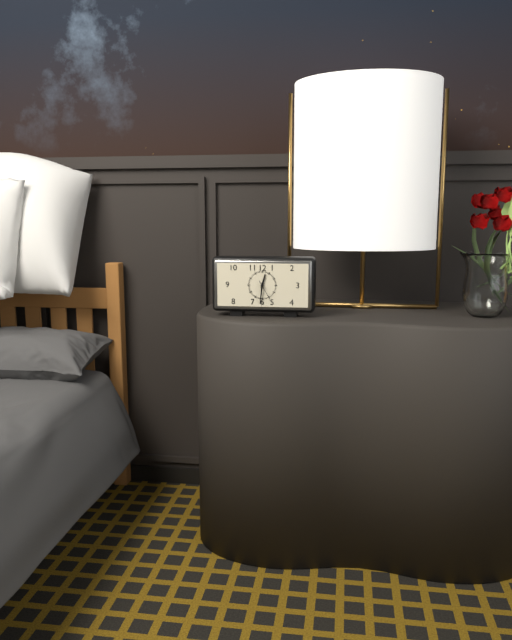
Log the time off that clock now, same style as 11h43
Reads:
12h31
